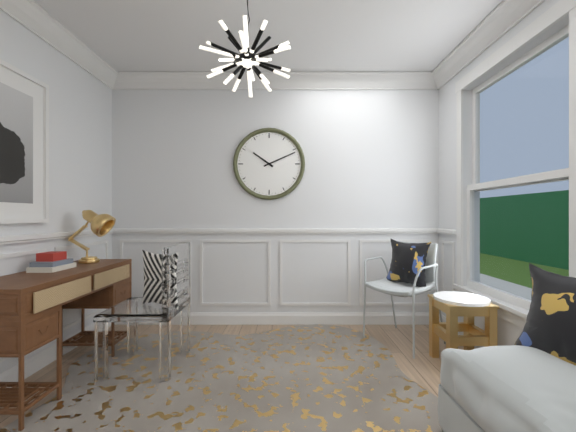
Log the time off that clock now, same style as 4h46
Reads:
10h11
